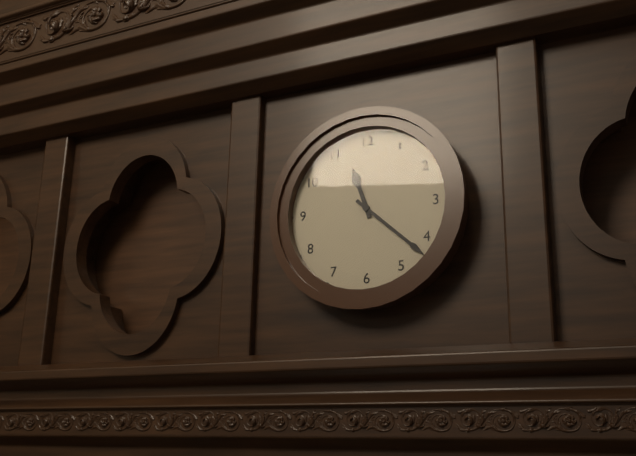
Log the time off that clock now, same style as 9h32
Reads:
11h22
